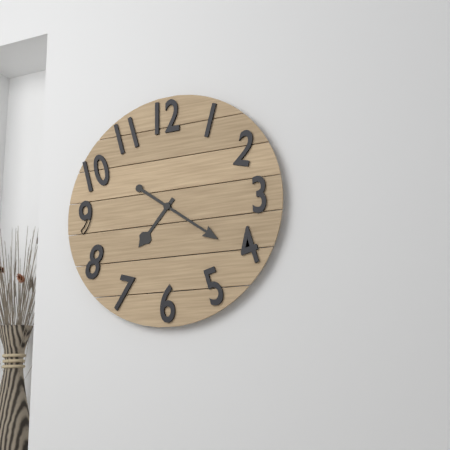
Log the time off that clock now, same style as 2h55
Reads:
7h21
